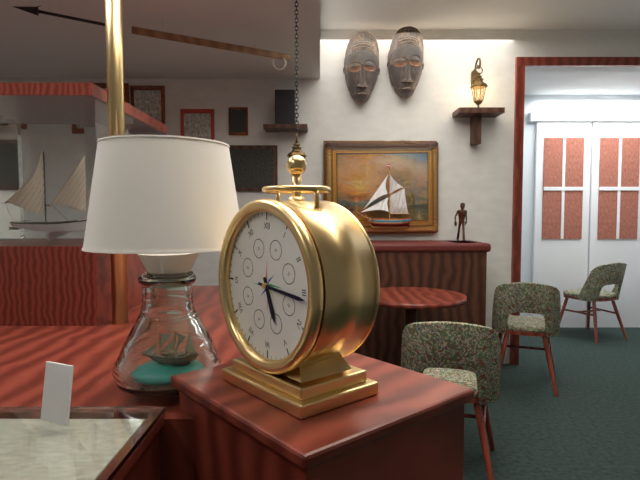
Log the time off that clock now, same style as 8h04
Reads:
5h16
